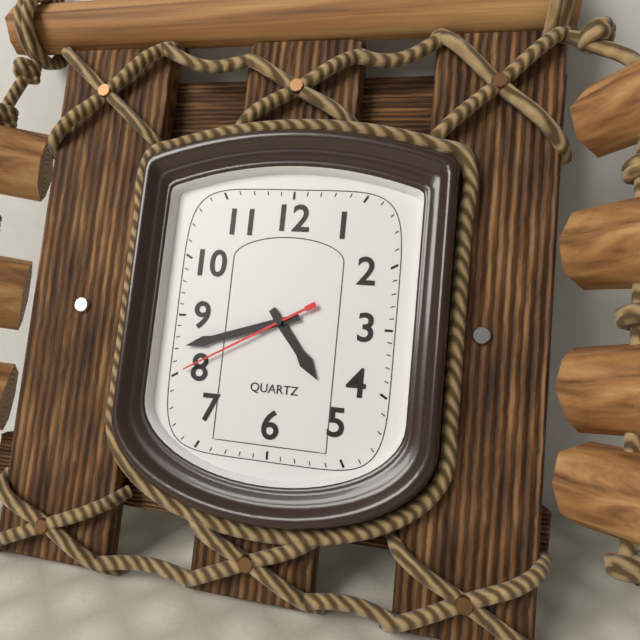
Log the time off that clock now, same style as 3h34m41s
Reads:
4h42m40s
